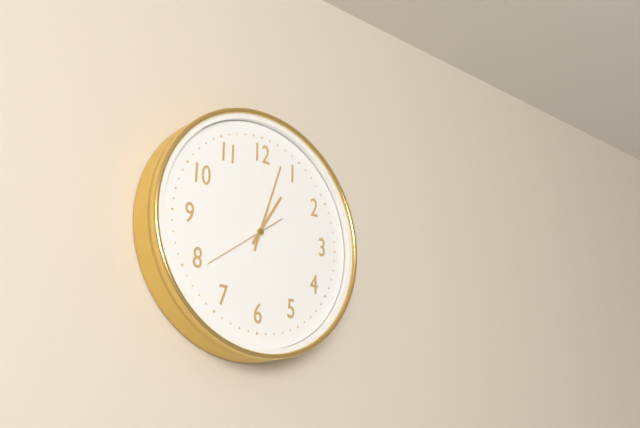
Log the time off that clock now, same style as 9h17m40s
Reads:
1h03m39s
